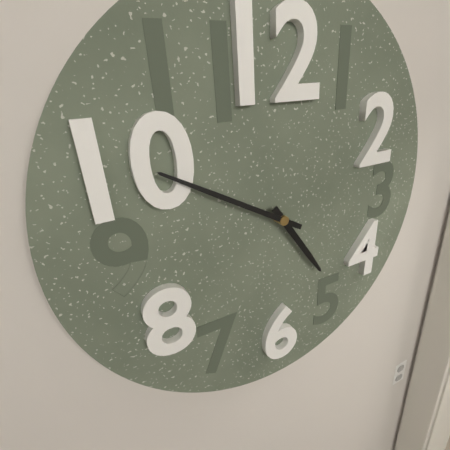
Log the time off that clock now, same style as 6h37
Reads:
4h50
